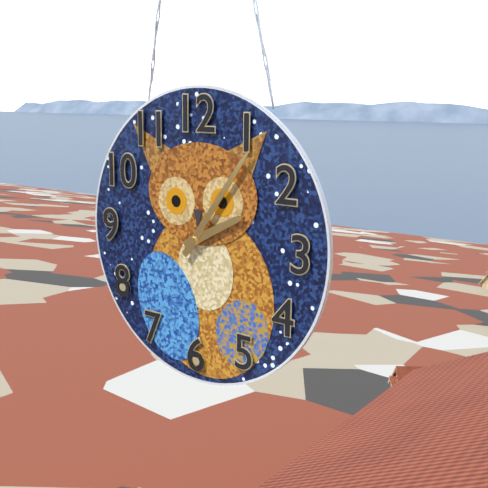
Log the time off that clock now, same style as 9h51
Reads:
2h06
